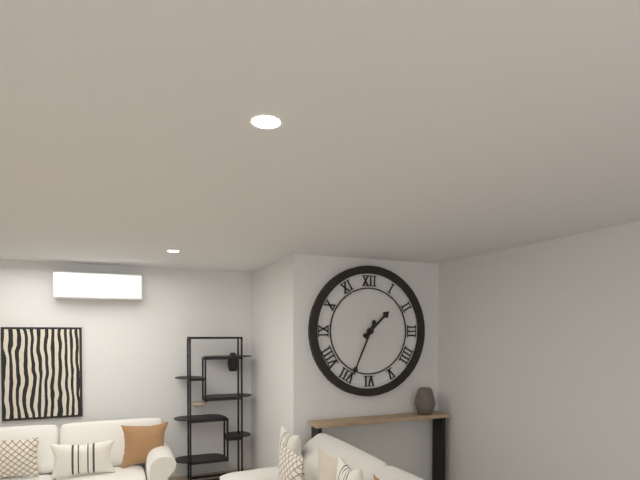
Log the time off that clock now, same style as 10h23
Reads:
1h34
